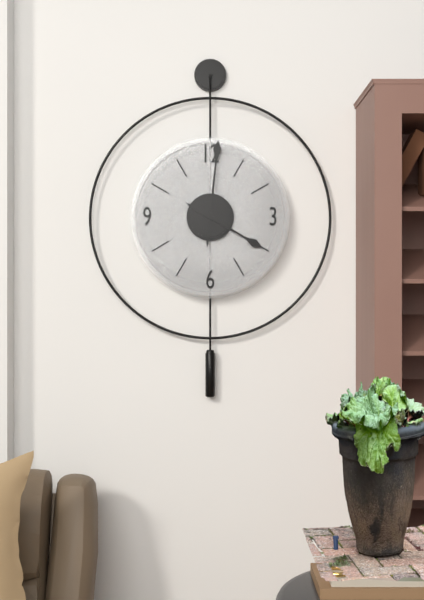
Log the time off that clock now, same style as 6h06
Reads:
4h01
